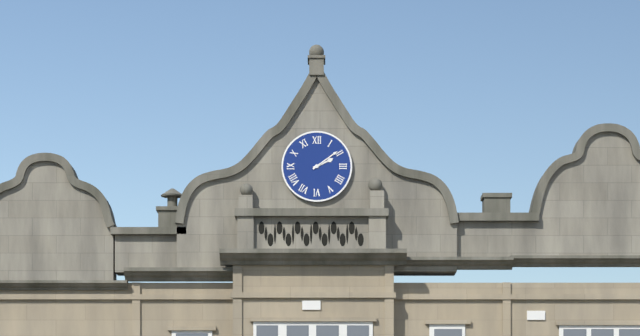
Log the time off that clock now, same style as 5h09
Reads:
2h09
